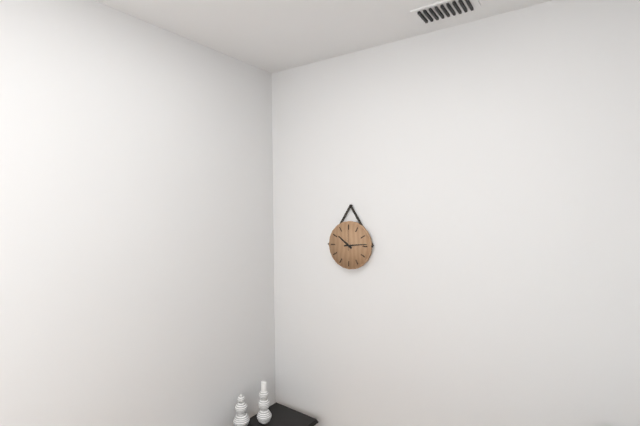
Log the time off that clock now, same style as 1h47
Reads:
10h14
